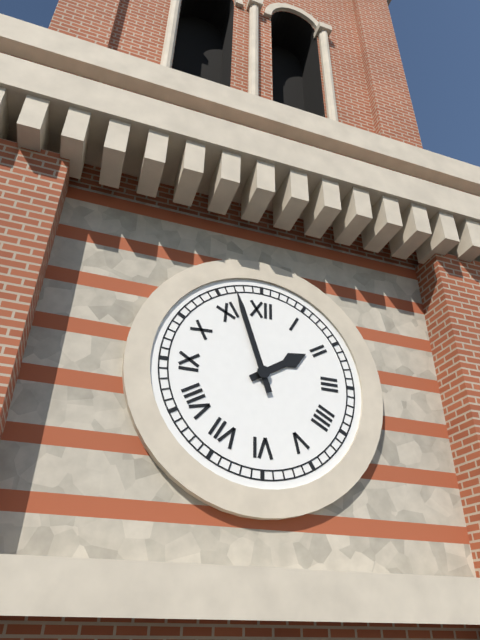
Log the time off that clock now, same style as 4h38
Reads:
1h57
